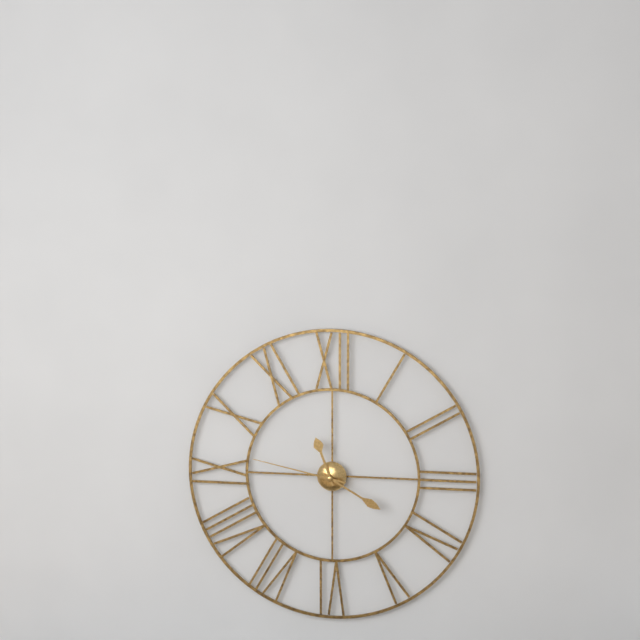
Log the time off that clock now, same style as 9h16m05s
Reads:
11h20m47s
